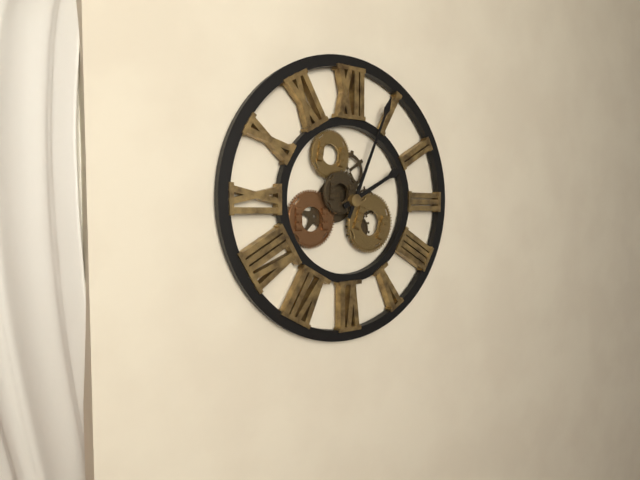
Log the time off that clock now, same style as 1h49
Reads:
2h04
